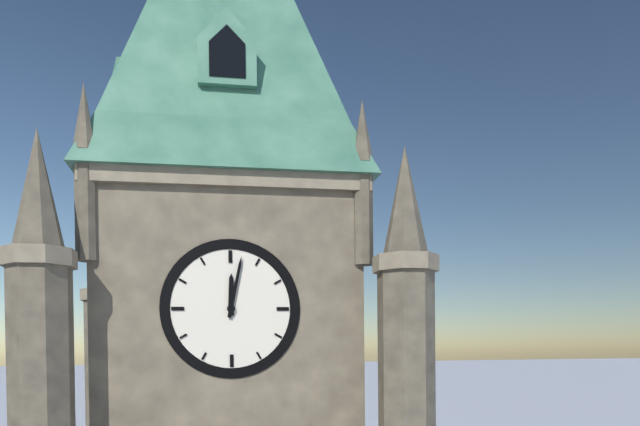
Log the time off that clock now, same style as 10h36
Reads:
12h02
